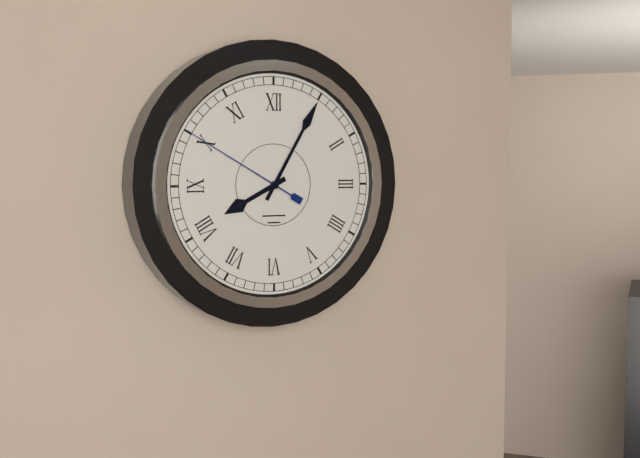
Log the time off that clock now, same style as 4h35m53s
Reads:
8h05m50s
